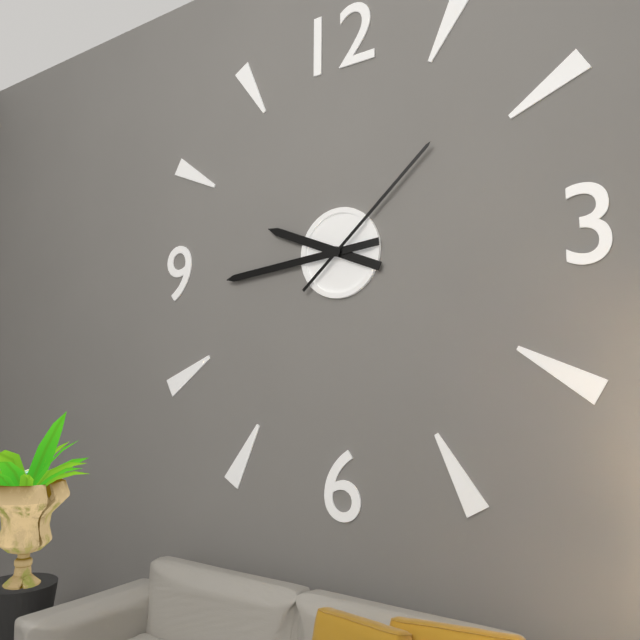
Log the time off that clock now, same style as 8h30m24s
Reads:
9h44m08s
